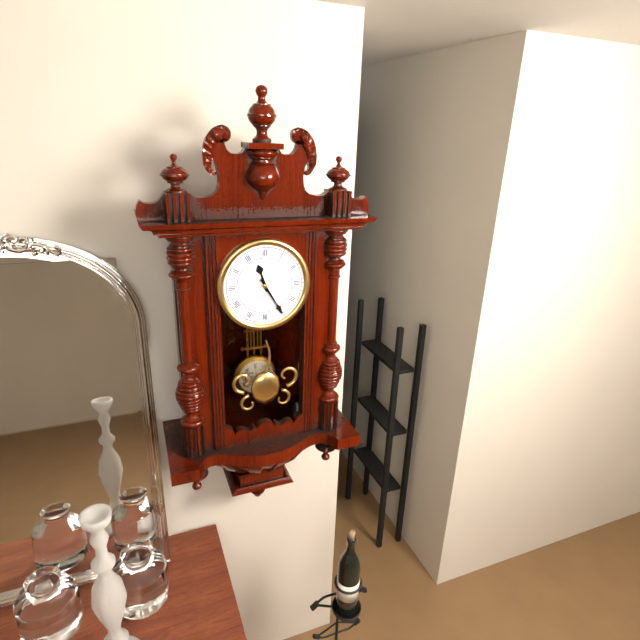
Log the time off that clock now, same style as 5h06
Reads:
11h25
